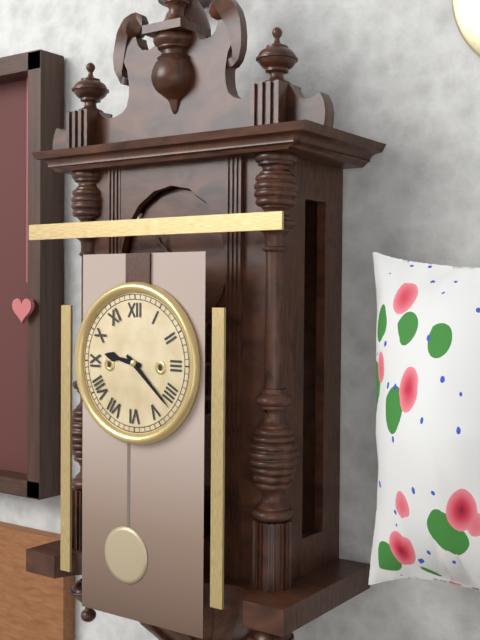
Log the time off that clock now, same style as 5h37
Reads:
9h22
